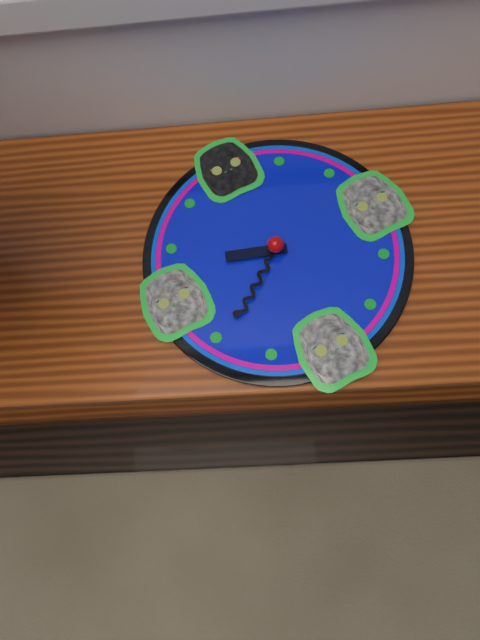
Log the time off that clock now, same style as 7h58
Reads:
9h39
